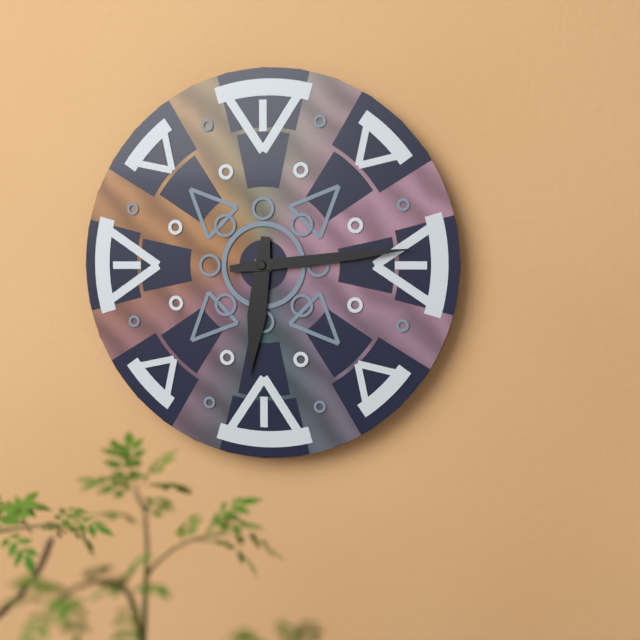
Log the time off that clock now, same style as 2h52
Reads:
6h14
